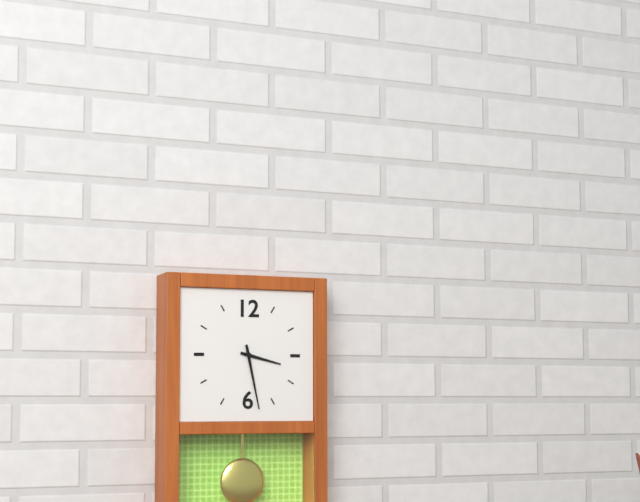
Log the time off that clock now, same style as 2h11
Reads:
3h28
